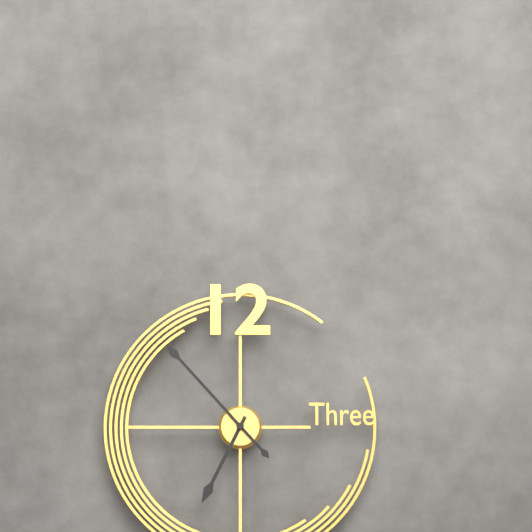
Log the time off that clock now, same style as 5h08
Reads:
6h53
